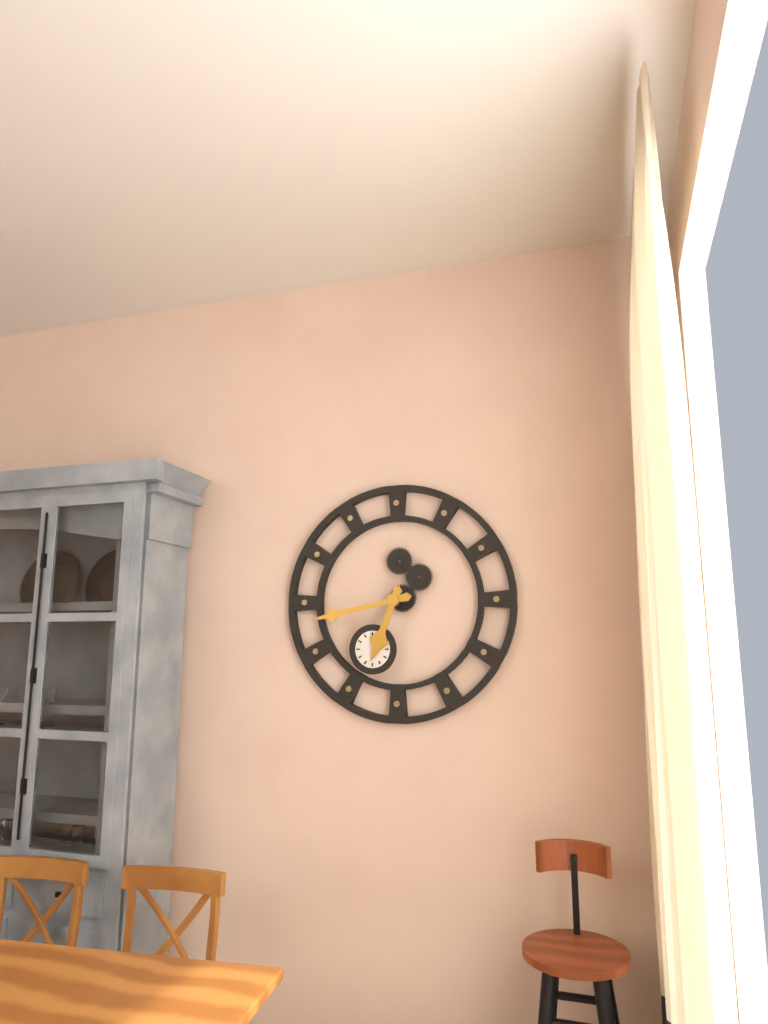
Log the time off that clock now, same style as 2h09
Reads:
6h43
